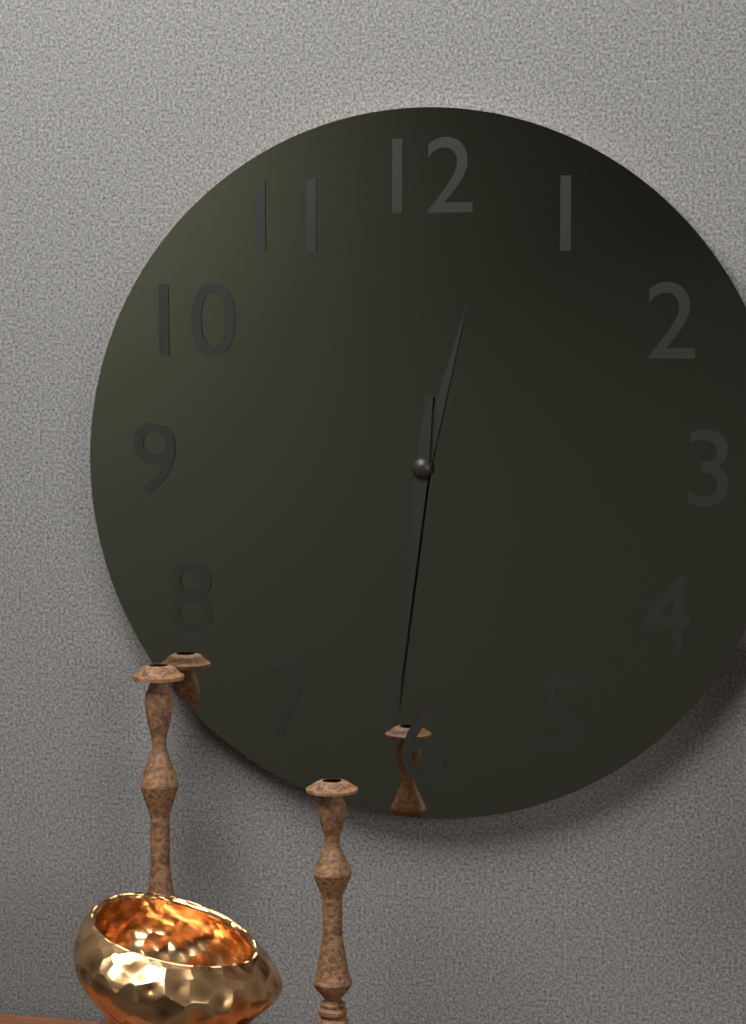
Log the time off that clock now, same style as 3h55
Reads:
12h31
